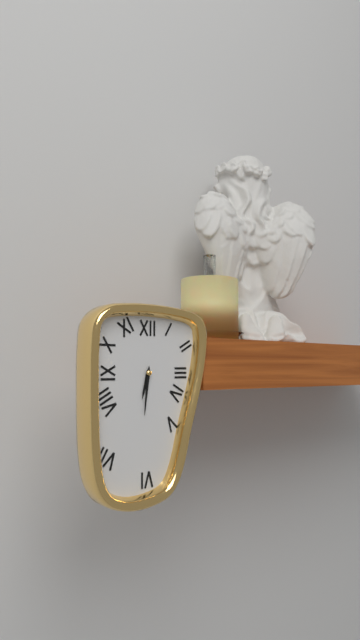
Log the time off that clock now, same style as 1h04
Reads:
6h31
